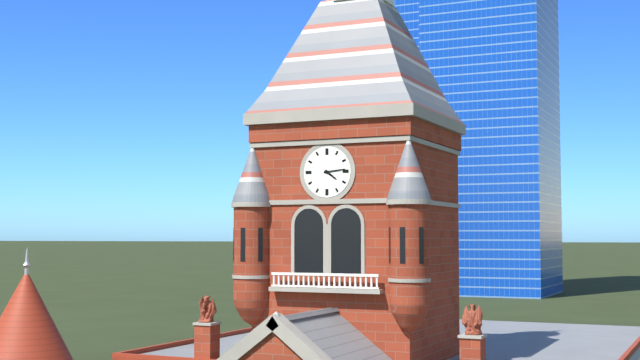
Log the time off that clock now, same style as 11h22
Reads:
4h14
